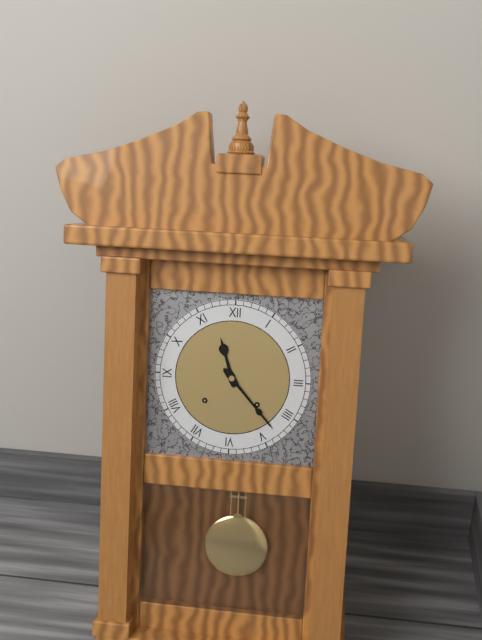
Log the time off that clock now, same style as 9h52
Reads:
11h23
